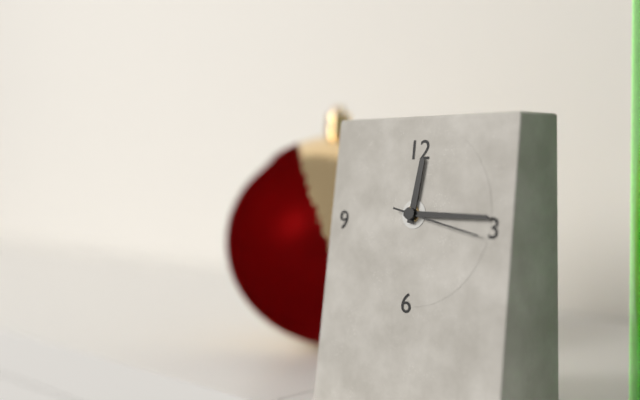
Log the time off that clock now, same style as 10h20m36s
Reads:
12h15m17s
